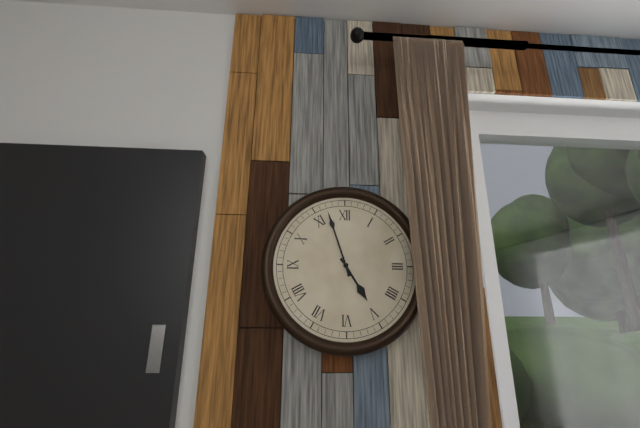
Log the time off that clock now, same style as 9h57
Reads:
4h57
